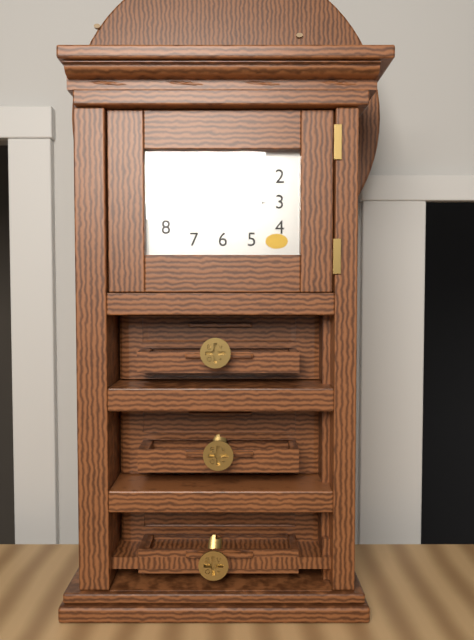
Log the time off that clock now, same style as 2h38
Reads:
2h15
